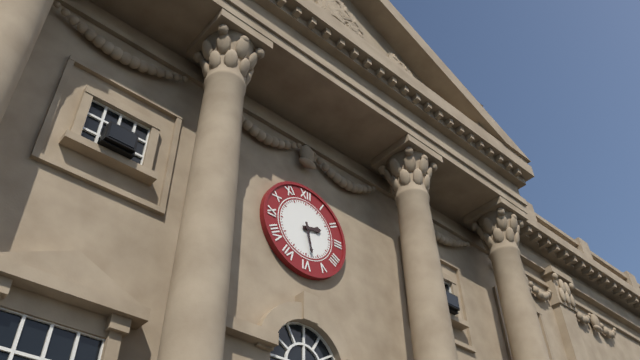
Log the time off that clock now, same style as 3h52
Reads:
2h28
